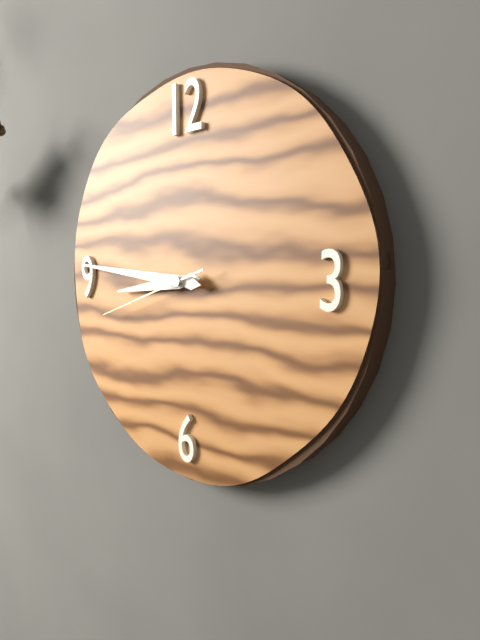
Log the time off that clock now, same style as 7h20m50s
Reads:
8h46m42s
